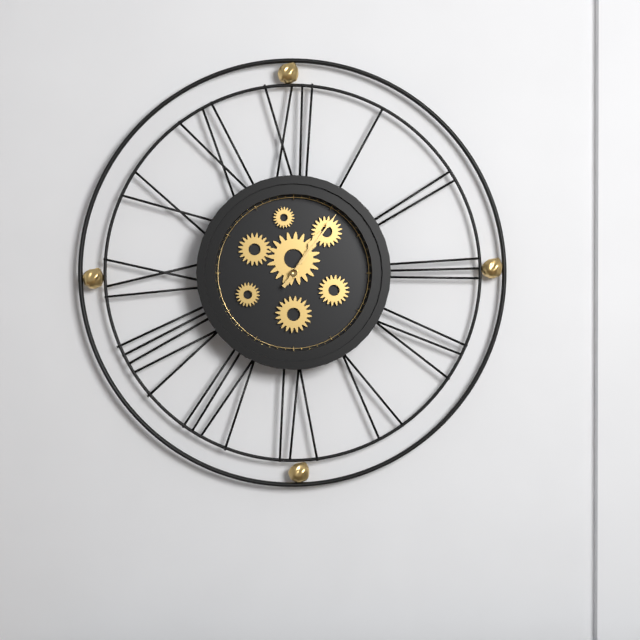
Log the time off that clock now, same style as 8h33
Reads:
1h06
